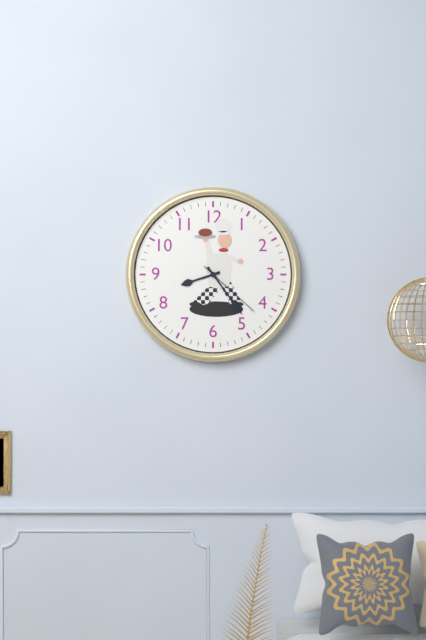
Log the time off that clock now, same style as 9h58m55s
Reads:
8h24m22s
